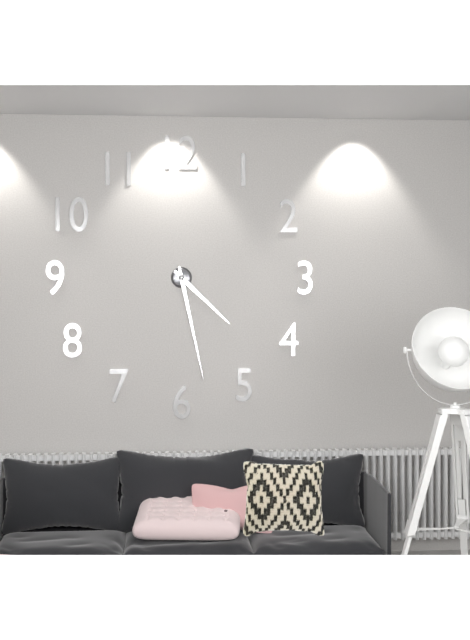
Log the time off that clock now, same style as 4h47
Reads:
4h28
